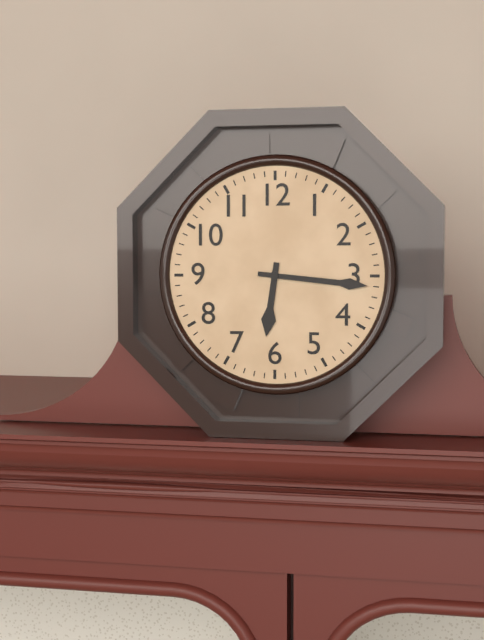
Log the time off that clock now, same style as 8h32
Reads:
6h16
